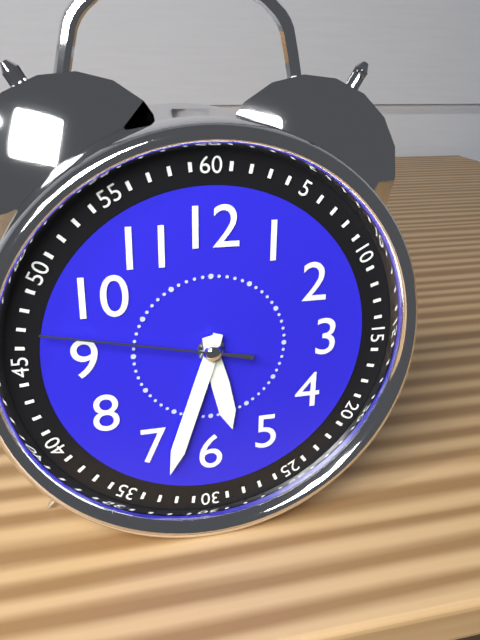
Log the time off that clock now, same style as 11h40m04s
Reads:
5h33m47s
